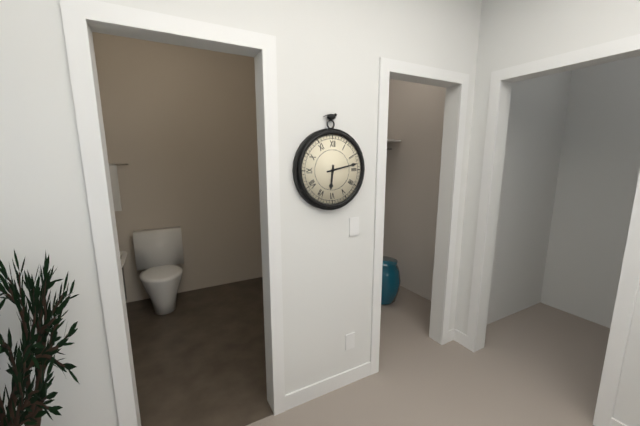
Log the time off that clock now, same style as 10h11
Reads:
6h13
